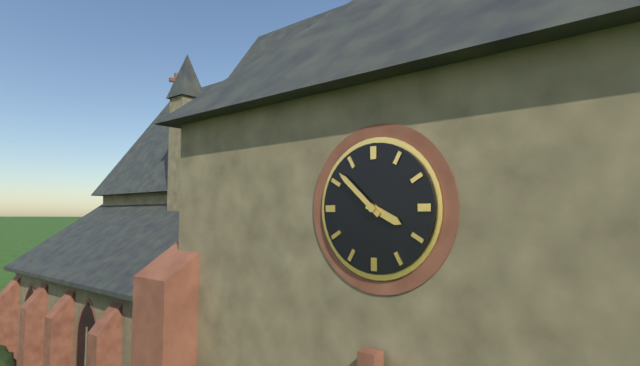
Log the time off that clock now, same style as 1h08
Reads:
3h52
